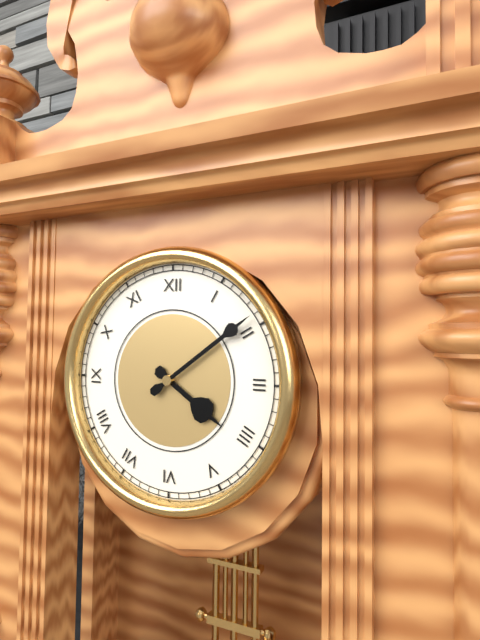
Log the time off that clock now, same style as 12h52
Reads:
4h09
